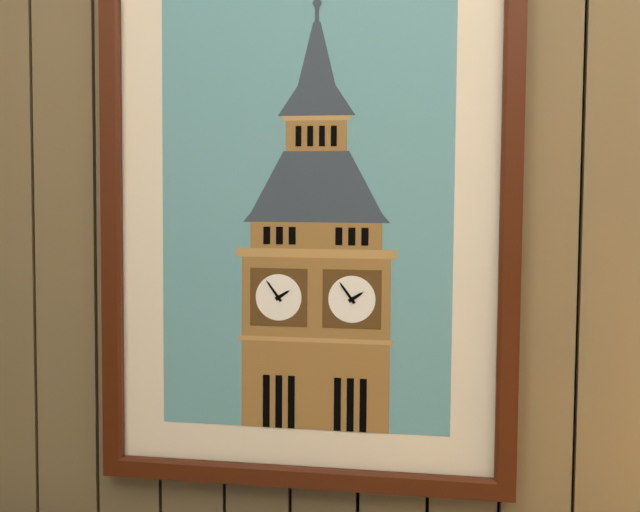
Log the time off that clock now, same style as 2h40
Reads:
1h54
